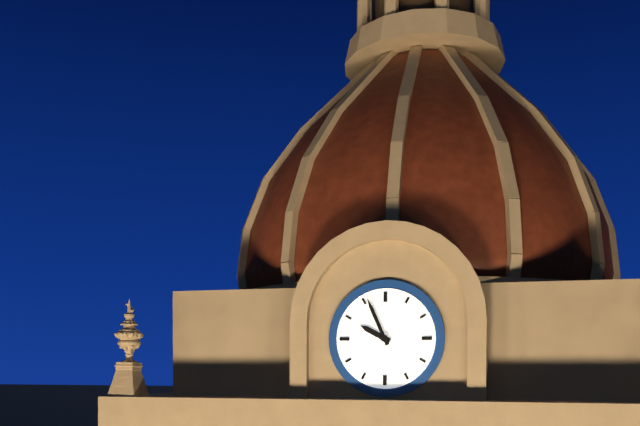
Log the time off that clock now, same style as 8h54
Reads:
9h56
